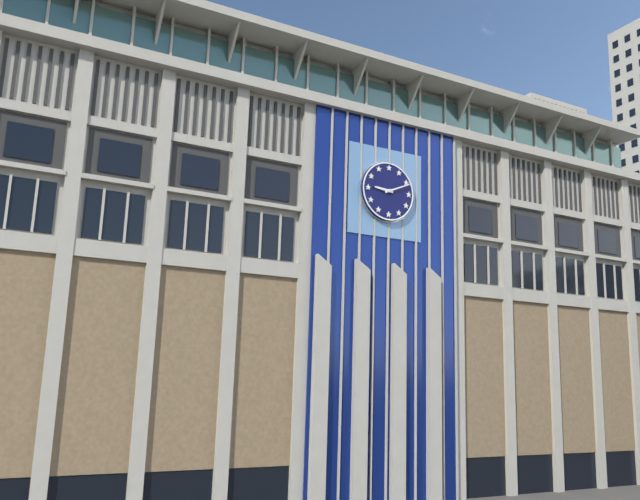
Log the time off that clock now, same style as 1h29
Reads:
9h11
